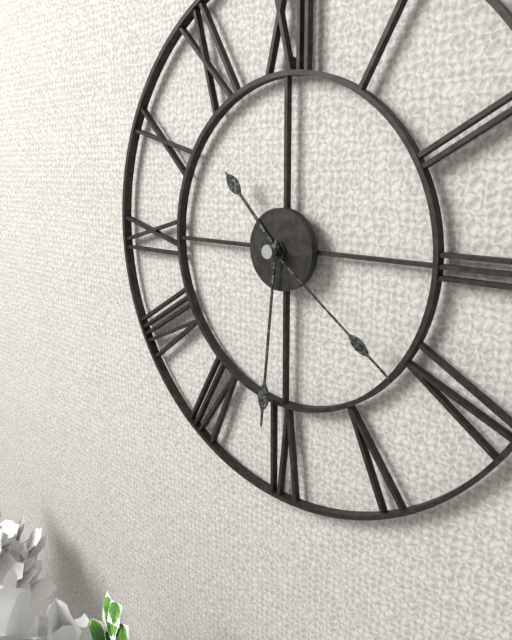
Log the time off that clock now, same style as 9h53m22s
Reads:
10h31m21s
